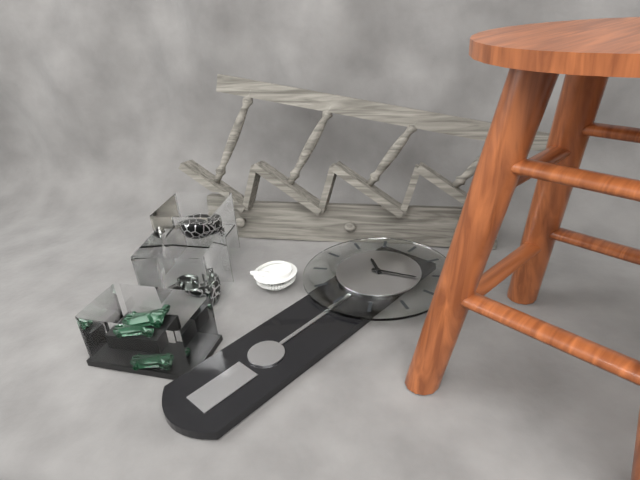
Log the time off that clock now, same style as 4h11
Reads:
10h12
